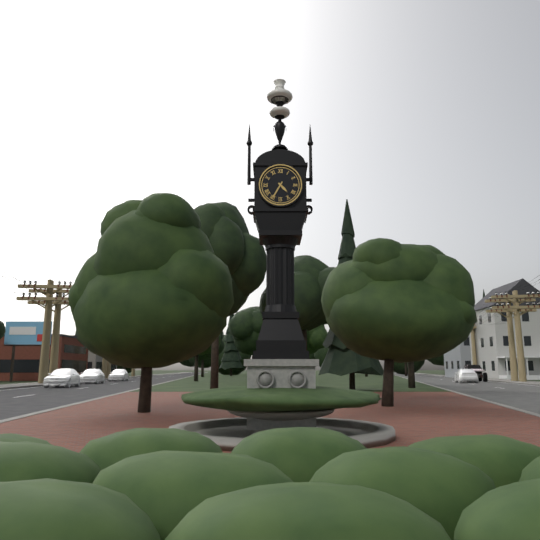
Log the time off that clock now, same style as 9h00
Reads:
4h35
